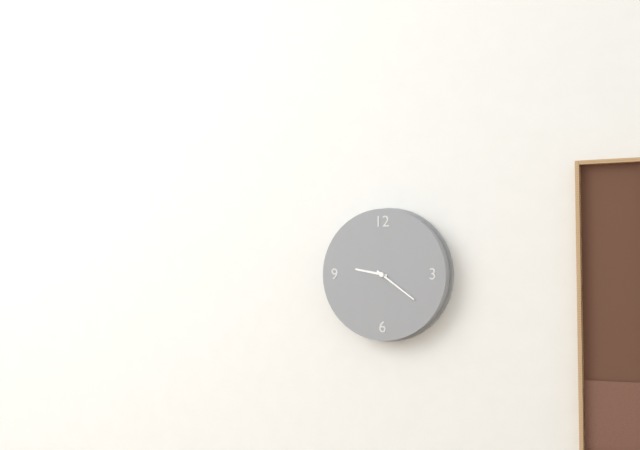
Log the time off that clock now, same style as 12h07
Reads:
9h21
